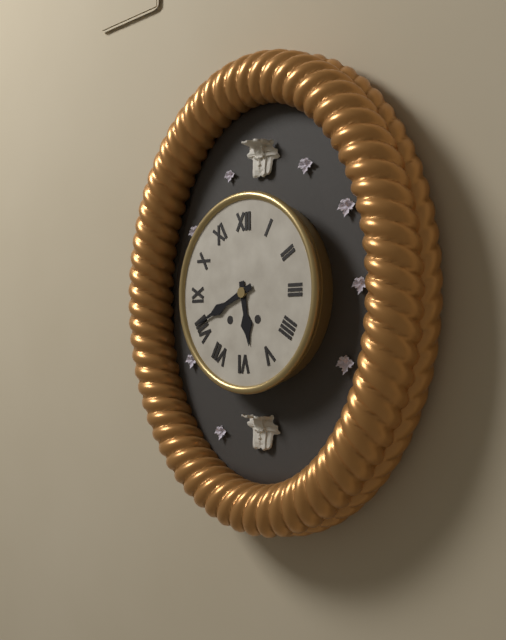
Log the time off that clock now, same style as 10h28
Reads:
5h41
